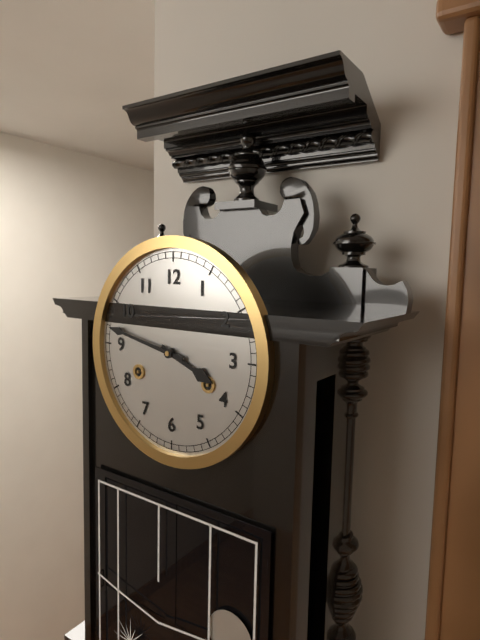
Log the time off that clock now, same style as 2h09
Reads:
3h47
